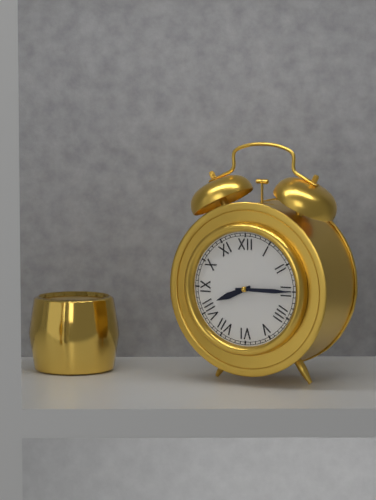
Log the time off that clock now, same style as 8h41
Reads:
8h15
